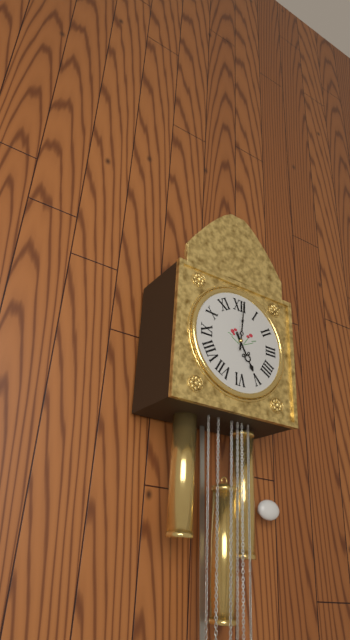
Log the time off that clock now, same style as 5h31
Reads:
5h01
